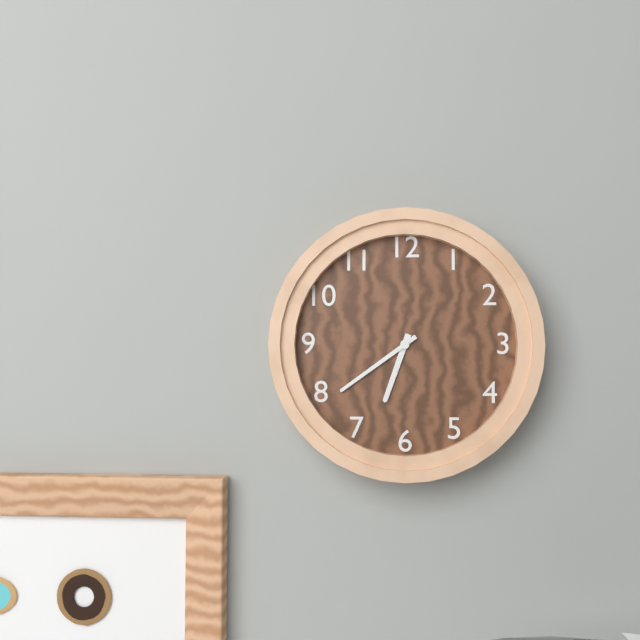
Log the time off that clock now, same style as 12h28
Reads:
6h39
